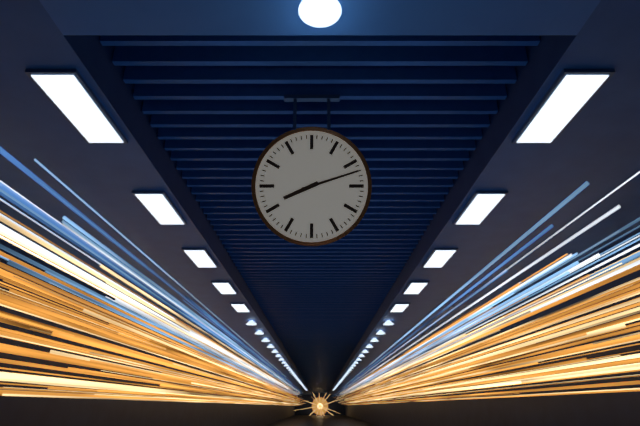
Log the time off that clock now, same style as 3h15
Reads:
8h12
